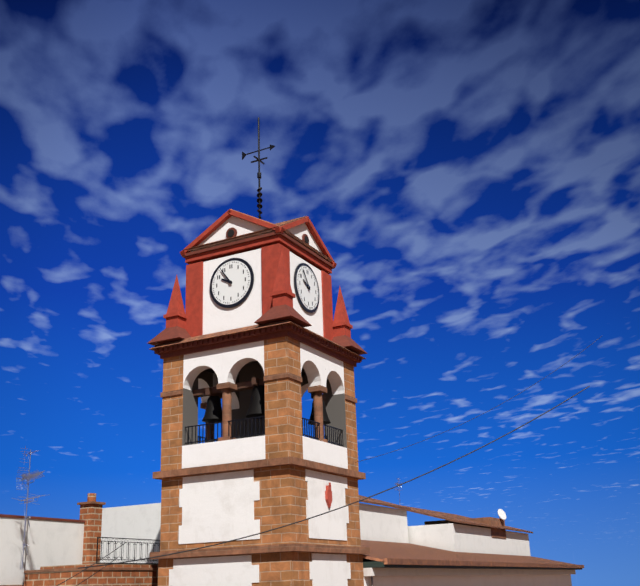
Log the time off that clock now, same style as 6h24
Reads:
9h54
